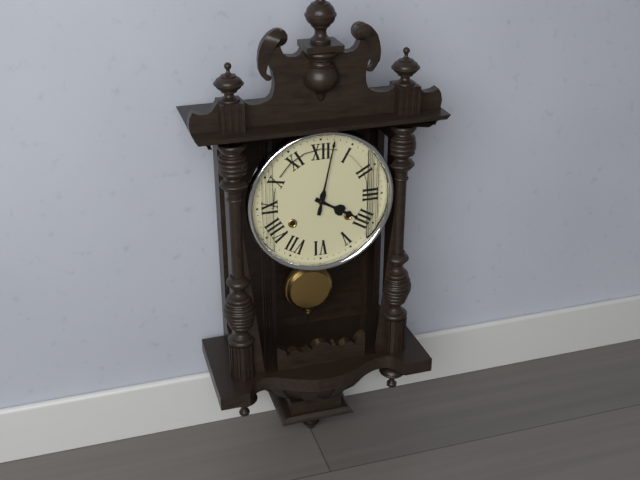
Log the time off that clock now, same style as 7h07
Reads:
4h02
